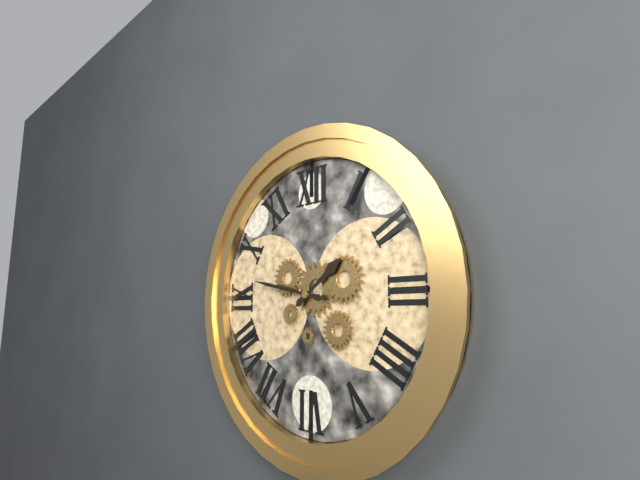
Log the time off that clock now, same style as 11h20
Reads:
1h47
